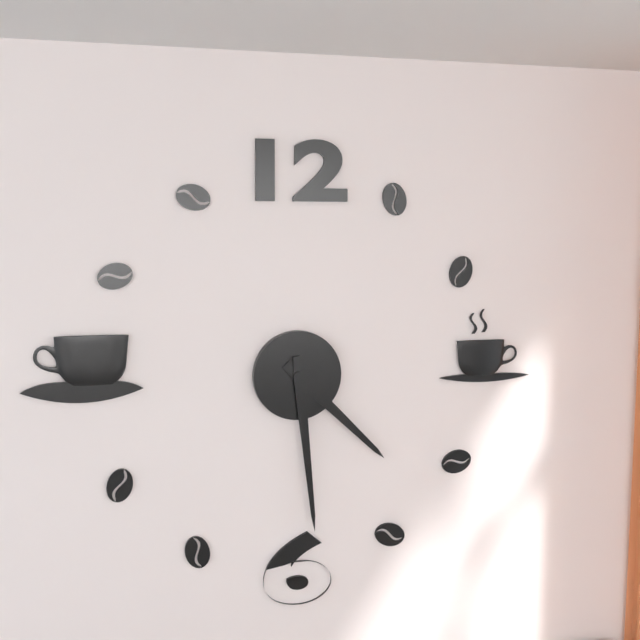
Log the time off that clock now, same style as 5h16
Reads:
4h29
